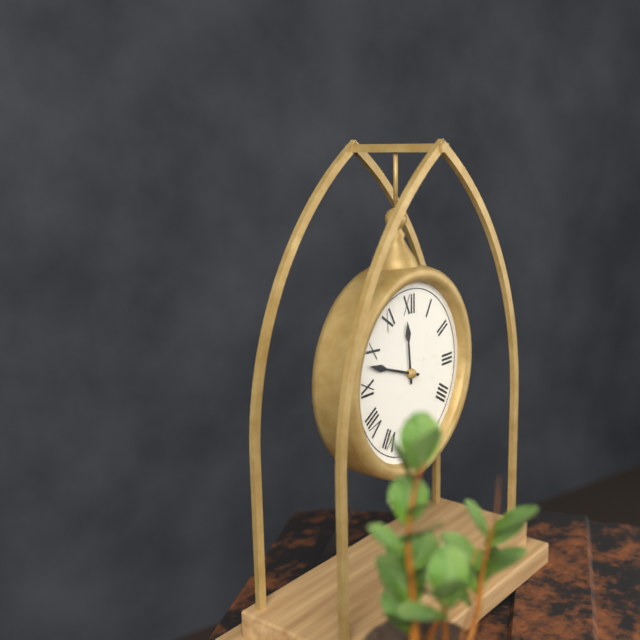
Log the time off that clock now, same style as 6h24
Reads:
11h48
